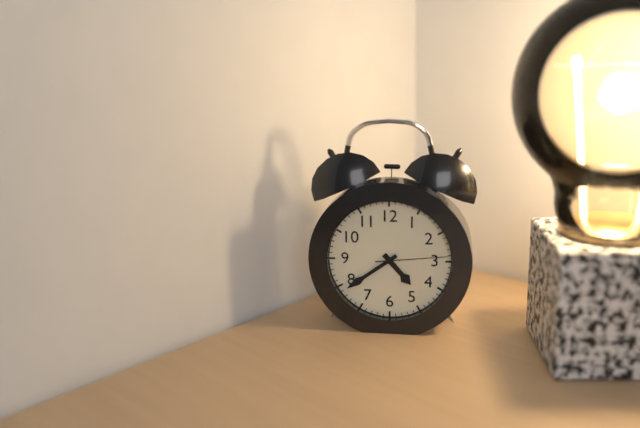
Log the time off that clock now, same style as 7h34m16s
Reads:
4h39m14s
